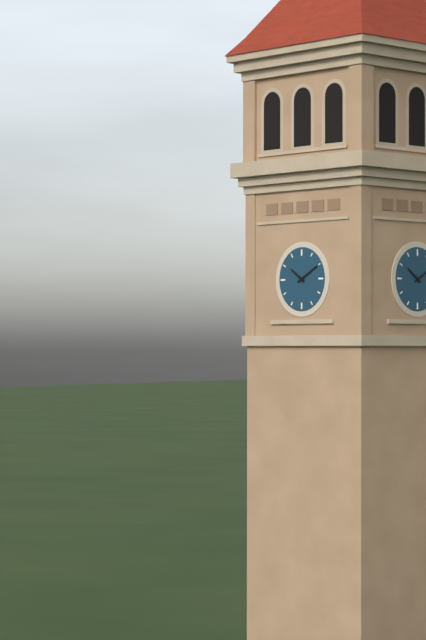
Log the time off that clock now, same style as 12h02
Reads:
10h10
